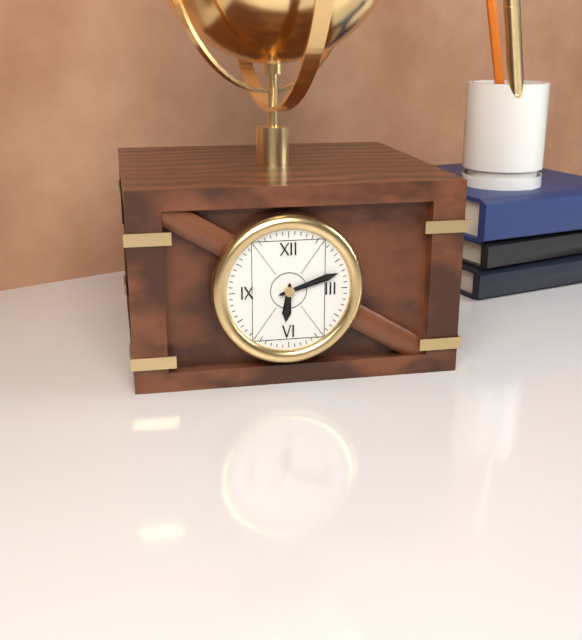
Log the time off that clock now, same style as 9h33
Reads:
6h12
